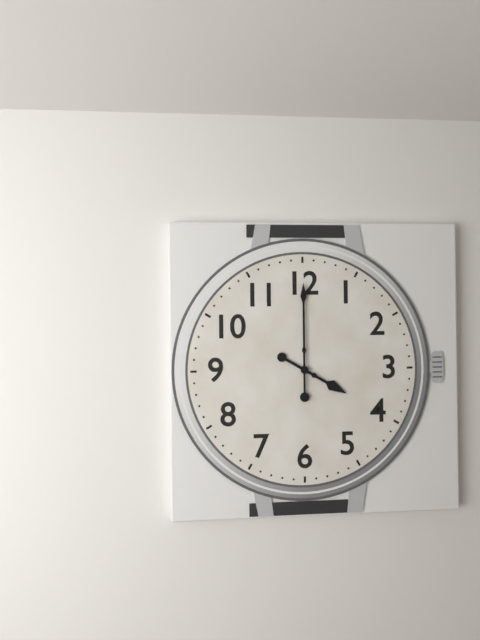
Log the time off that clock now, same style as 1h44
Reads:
4h00
